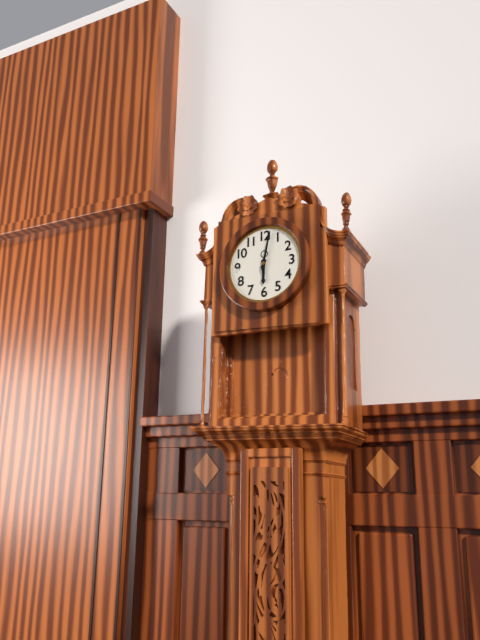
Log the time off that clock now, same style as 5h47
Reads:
6h02
